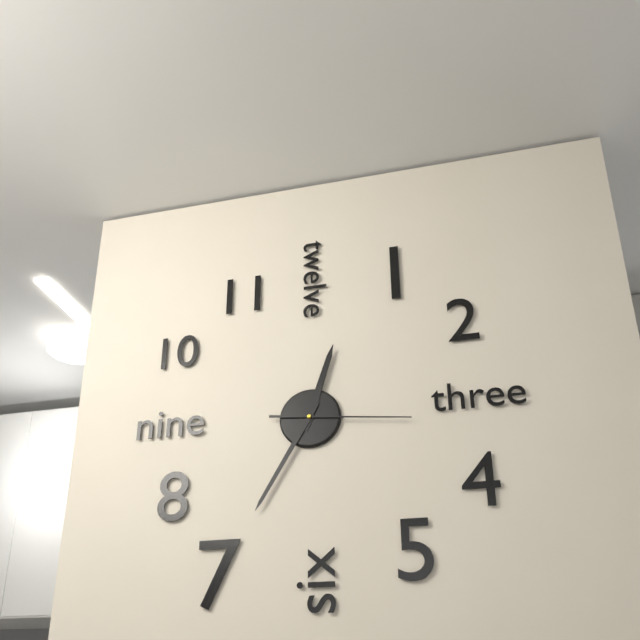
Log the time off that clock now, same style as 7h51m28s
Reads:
12h35m16s
